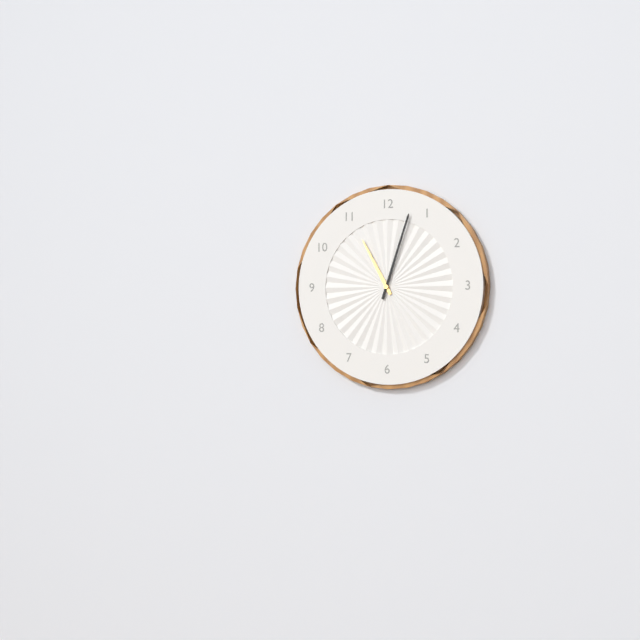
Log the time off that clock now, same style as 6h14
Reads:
11h03
